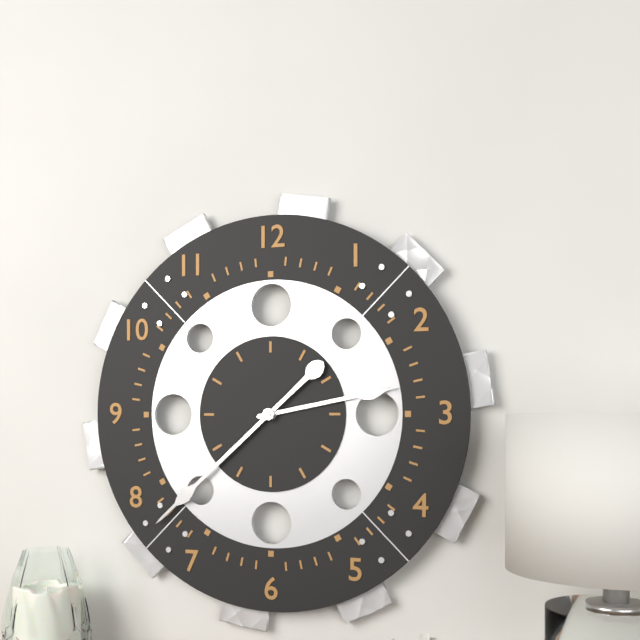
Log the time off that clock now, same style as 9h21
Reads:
2h38
